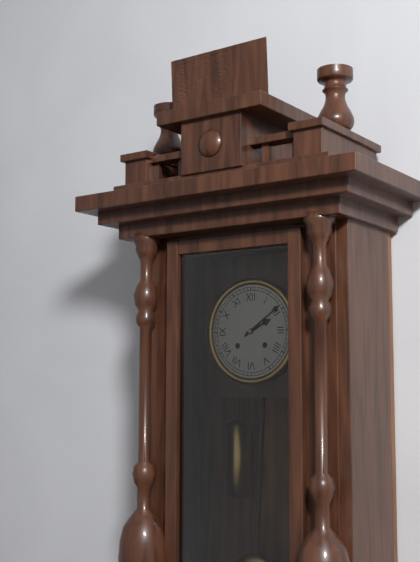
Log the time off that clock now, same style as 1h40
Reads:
2h09
